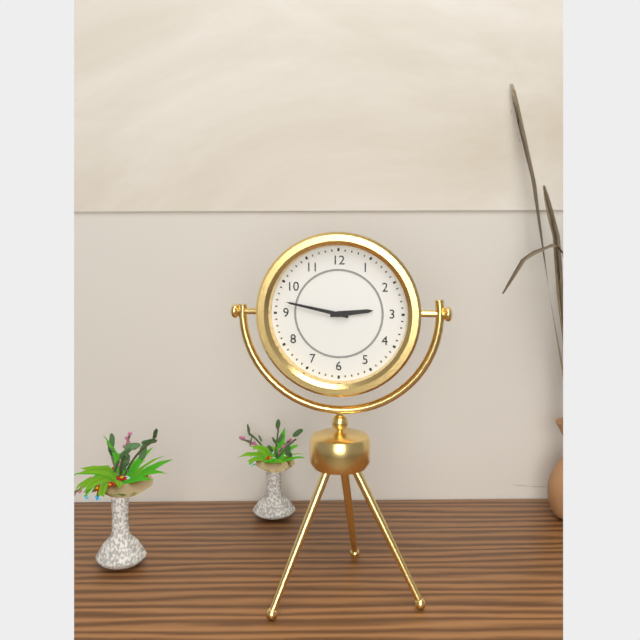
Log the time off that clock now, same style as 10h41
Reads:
2h47
